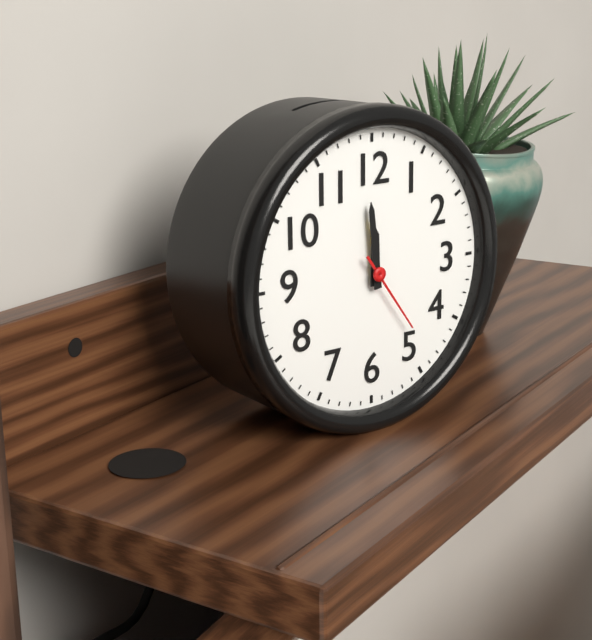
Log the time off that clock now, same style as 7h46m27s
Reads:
11h59m24s
